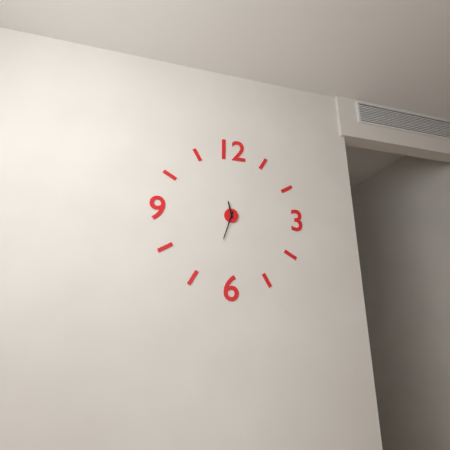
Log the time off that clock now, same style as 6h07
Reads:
11h33
